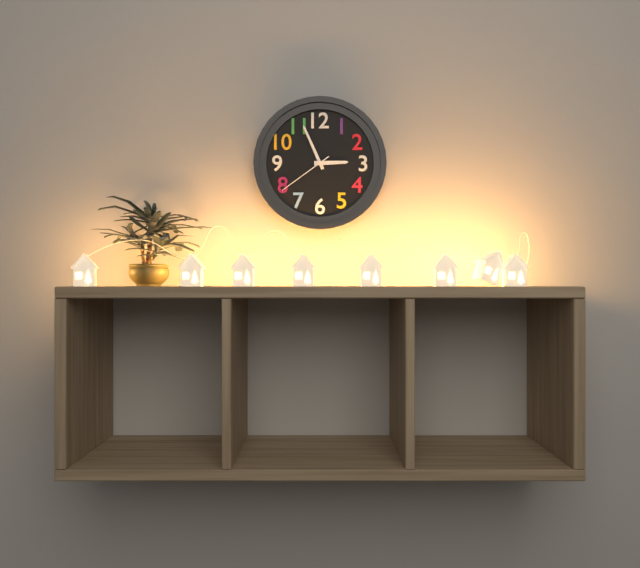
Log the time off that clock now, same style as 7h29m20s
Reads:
2h56m39s
